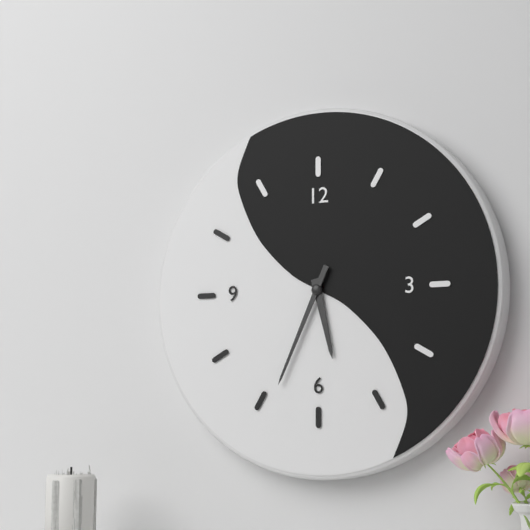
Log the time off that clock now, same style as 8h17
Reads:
5h34
